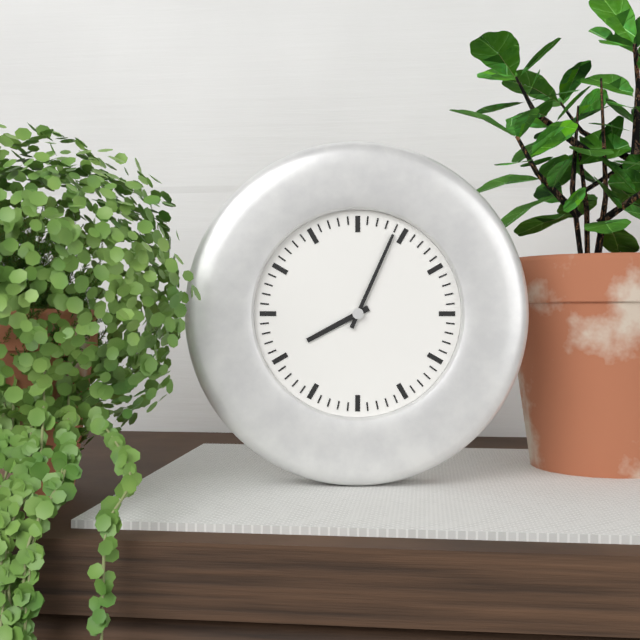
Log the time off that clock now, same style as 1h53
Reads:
8h04
